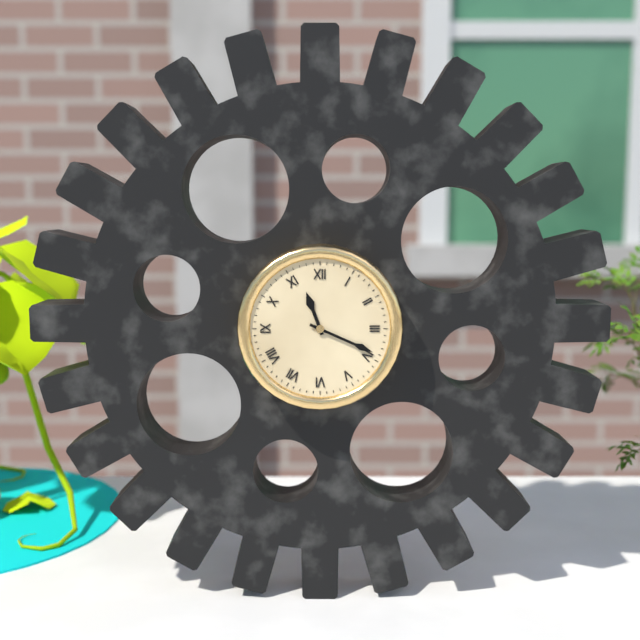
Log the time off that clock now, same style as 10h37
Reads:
11h19
